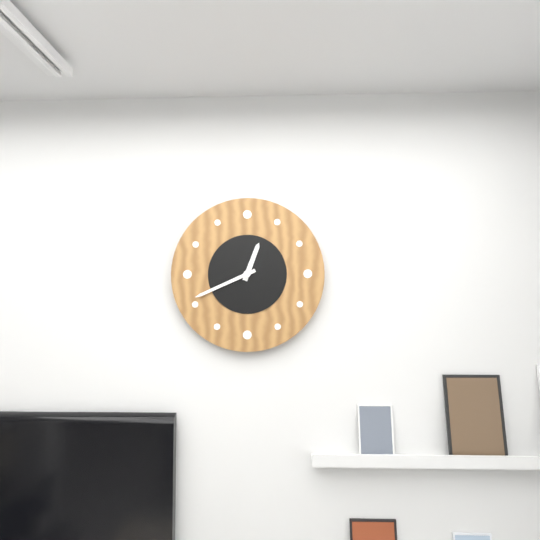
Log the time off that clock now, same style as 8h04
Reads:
12h41
